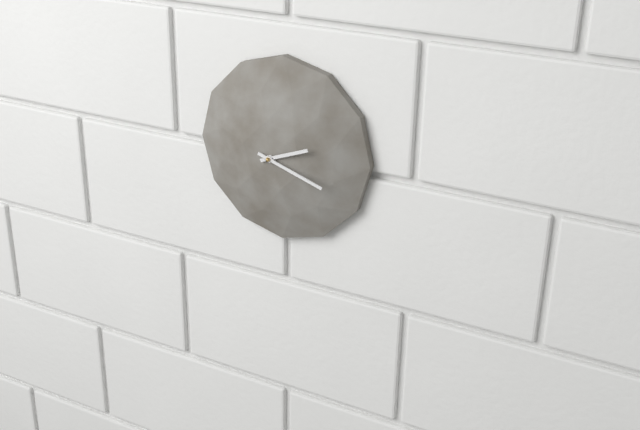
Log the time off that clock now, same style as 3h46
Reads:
2h18
